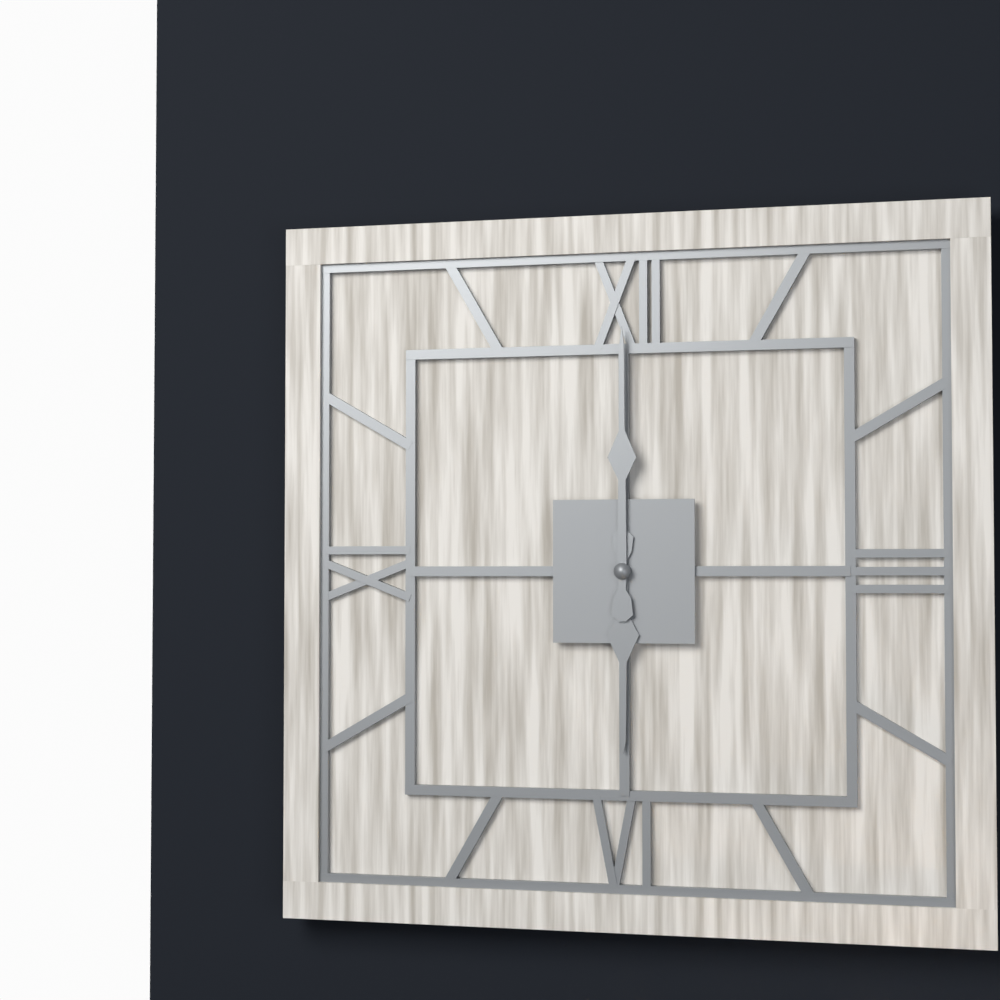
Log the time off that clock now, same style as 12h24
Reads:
6h00
